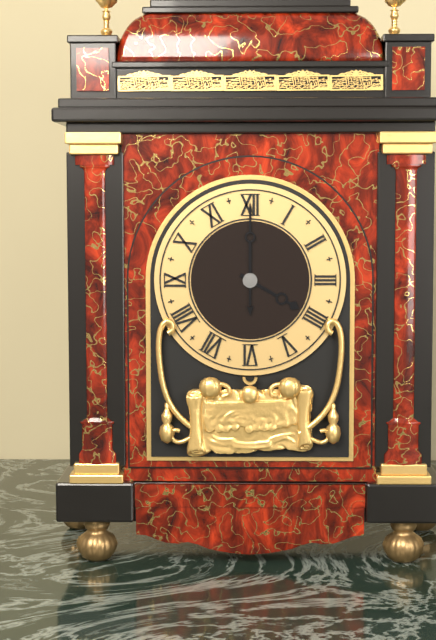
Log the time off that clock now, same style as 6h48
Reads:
4h00
